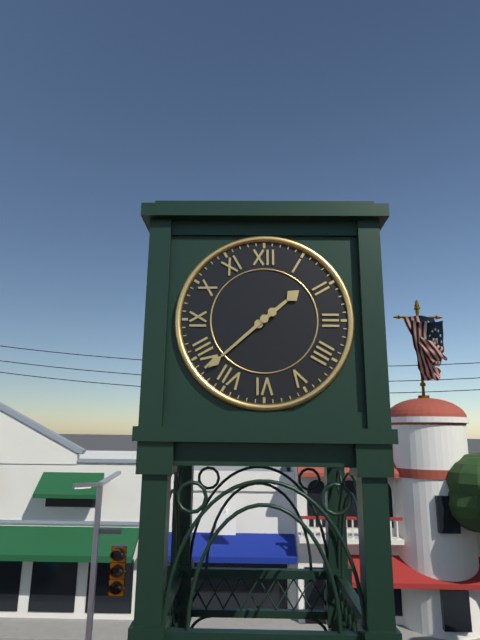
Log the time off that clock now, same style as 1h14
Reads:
1h38
